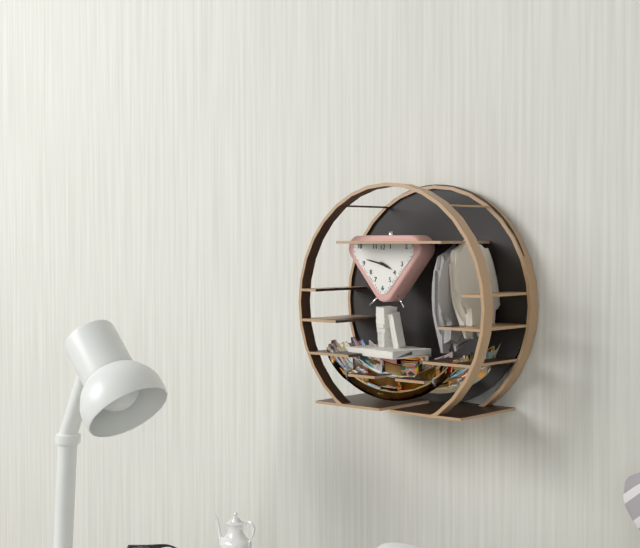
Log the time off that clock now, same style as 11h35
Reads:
3h47
